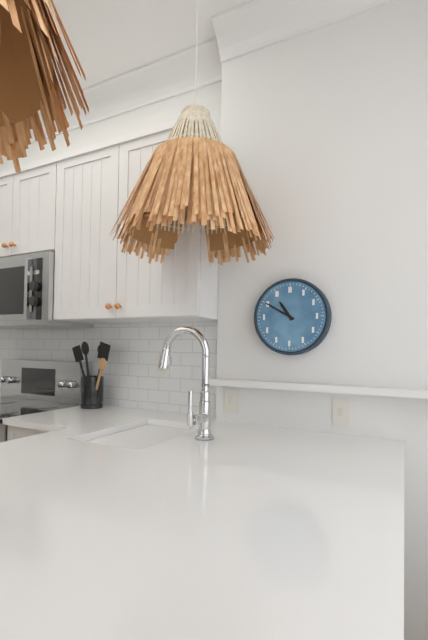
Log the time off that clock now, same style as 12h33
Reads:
10h50
